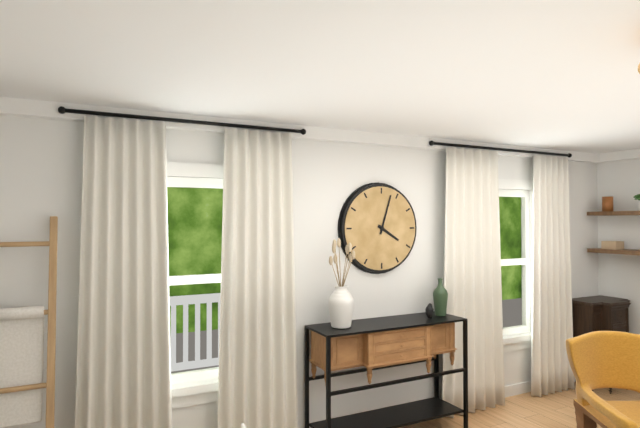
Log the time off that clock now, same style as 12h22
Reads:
4h03
